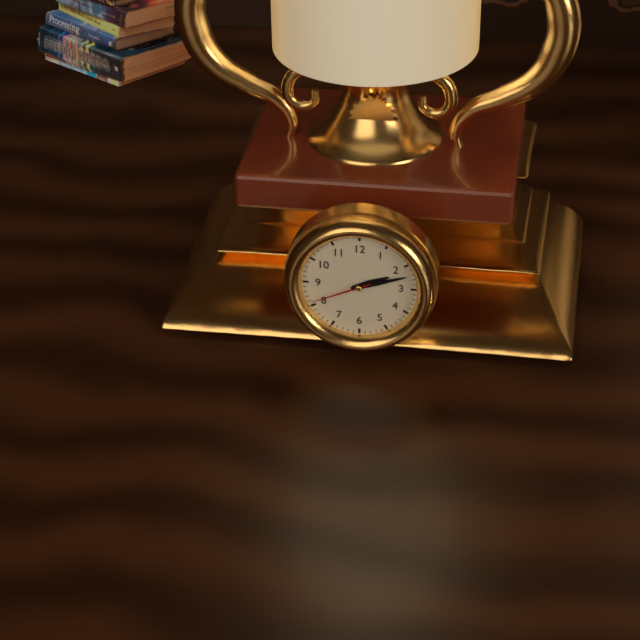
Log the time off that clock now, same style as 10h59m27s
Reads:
2h12m41s
